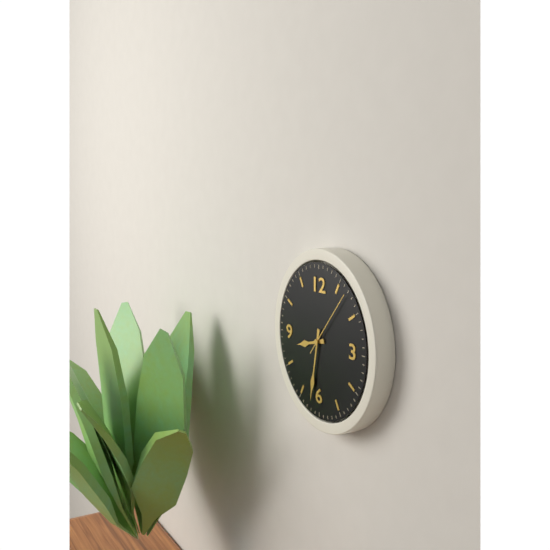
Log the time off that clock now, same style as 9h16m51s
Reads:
8h32m07s
